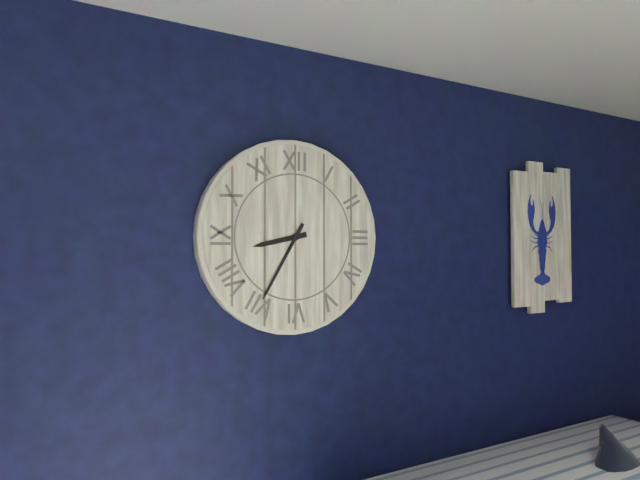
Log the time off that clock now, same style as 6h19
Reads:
8h35
